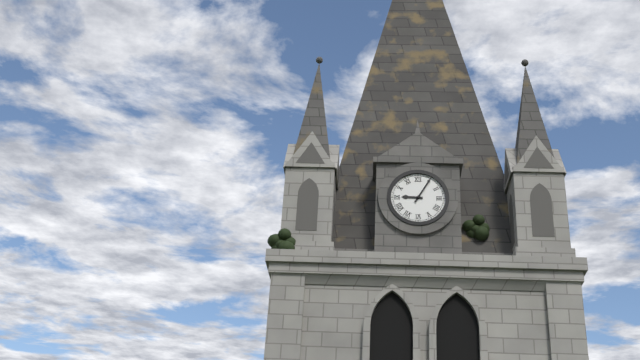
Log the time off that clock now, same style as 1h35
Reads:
9h05
